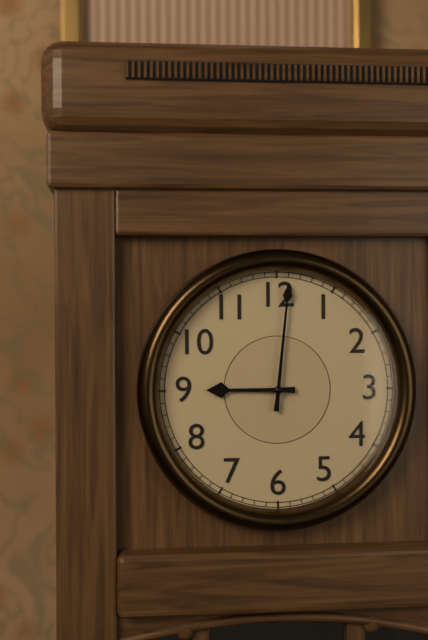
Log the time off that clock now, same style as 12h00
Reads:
9h01
